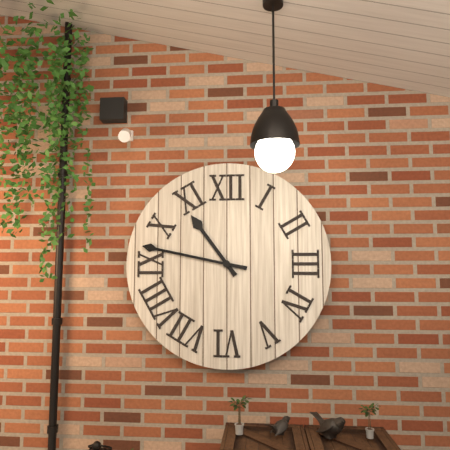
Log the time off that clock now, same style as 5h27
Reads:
10h47
